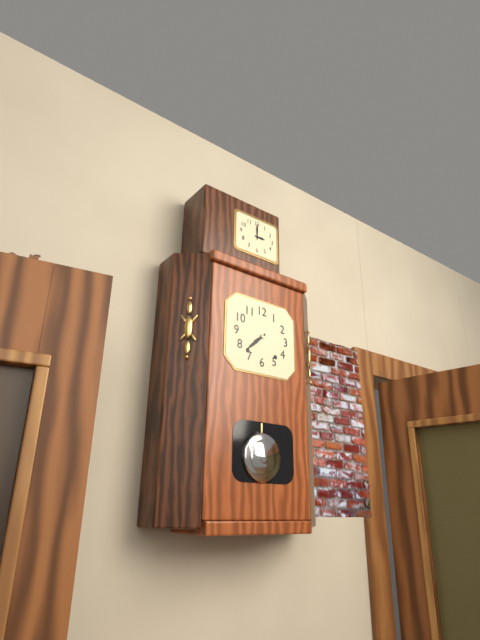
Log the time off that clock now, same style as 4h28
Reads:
7h38
